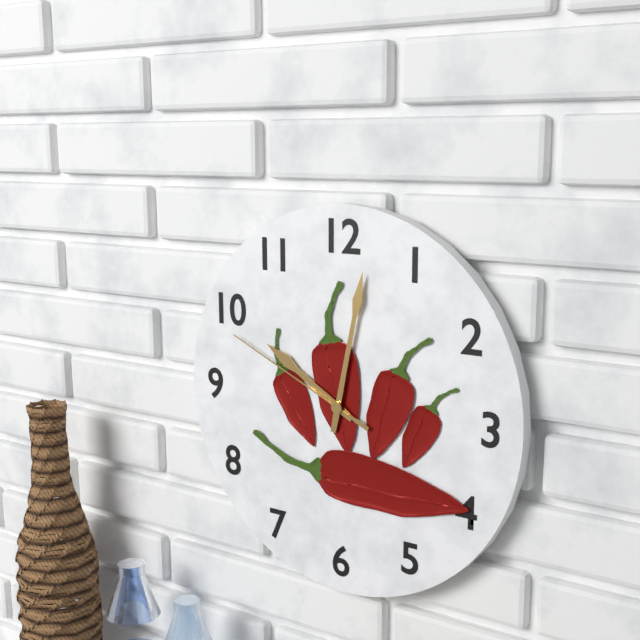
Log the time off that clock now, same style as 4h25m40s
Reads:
10h02m49s
